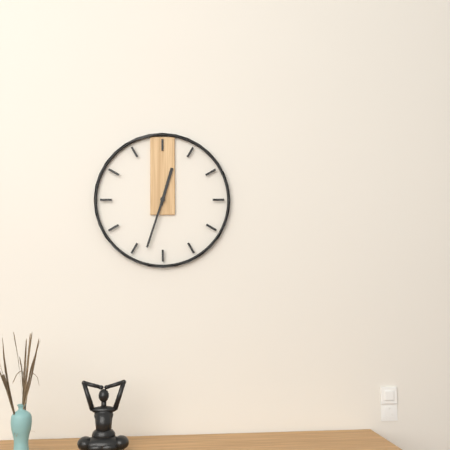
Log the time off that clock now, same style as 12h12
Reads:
12h33
